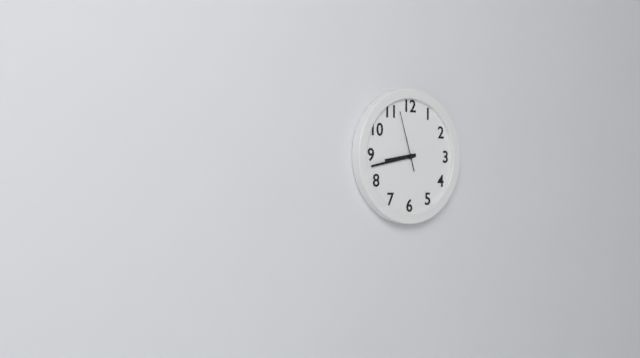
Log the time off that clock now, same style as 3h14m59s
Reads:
8h43m57s
